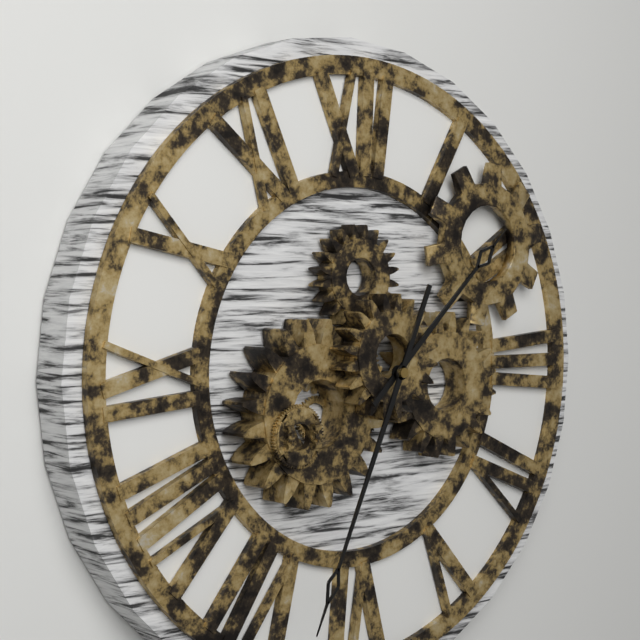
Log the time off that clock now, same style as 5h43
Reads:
1h34
